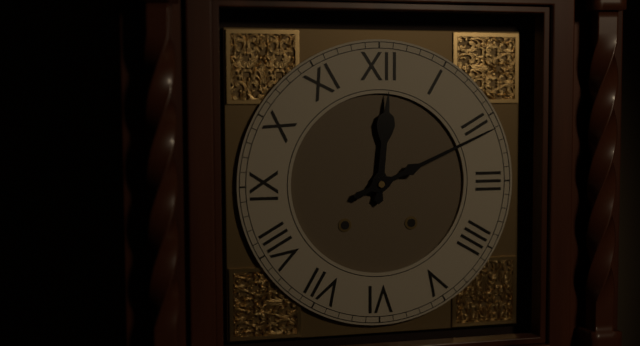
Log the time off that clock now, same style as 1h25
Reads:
12h11
